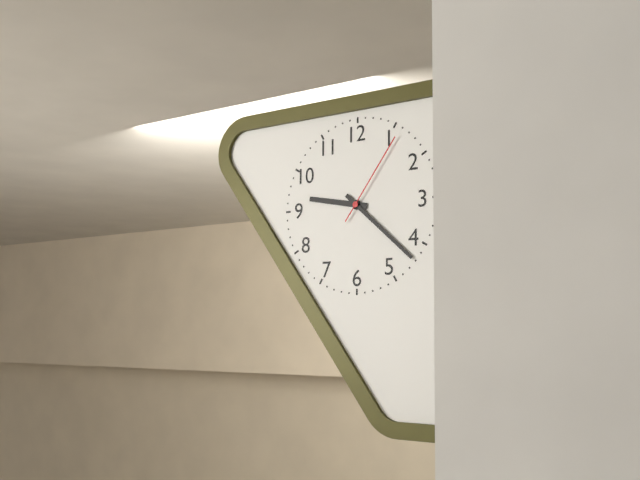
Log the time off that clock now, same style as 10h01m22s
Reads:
9h22m06s
